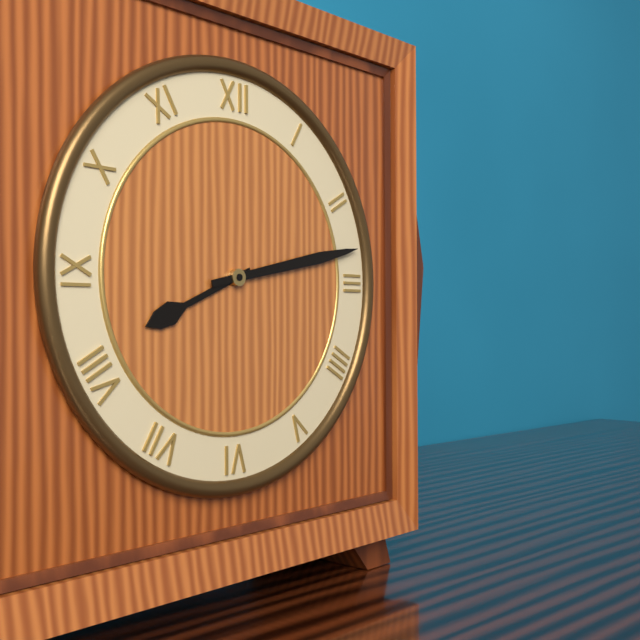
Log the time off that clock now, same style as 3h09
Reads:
8h13
